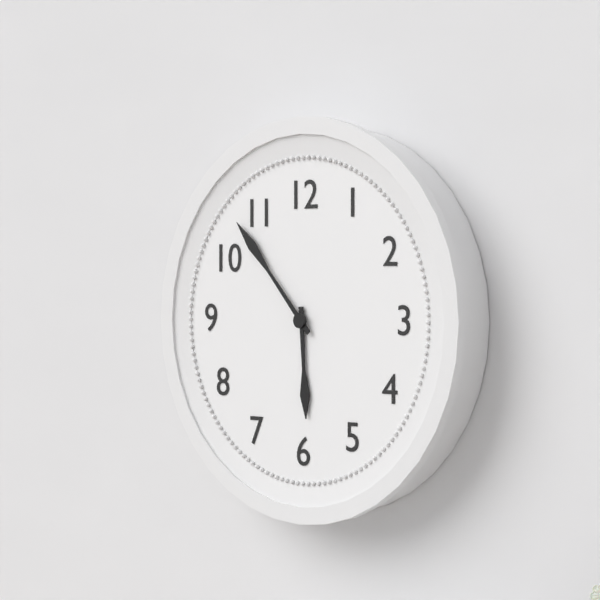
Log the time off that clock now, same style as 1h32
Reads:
5h53
